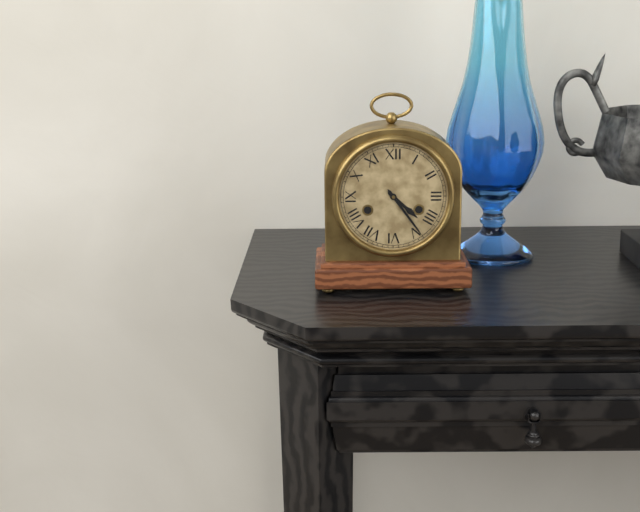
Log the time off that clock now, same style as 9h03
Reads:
4h24
